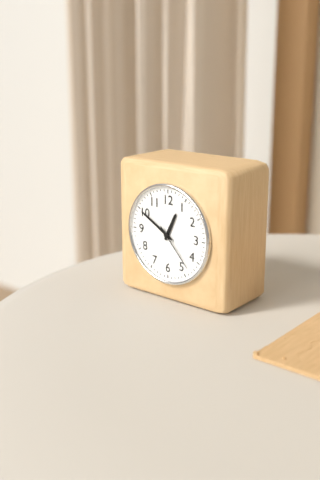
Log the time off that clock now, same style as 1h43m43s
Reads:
12h50m23s
